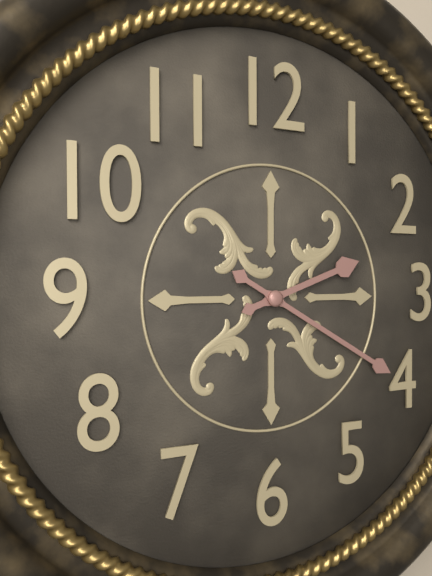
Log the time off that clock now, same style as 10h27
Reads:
2h20
